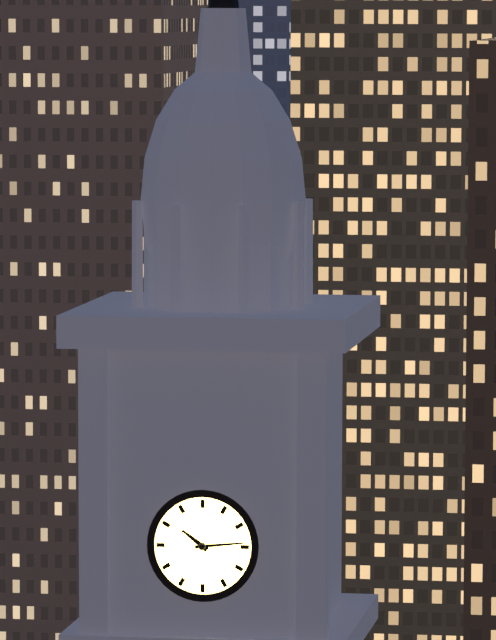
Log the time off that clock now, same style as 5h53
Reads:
10h14
